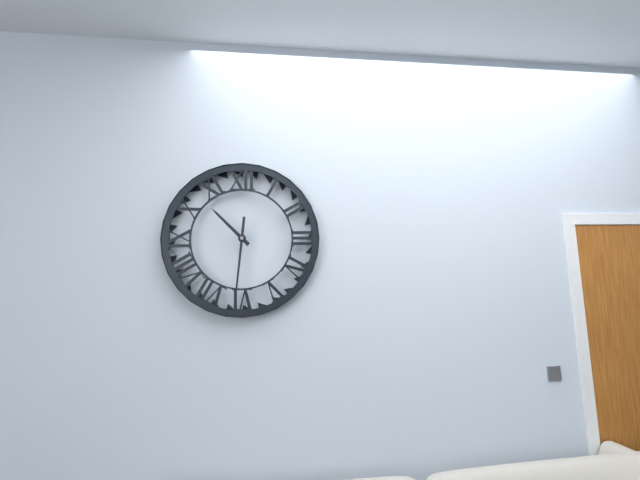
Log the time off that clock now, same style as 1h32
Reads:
10h31
